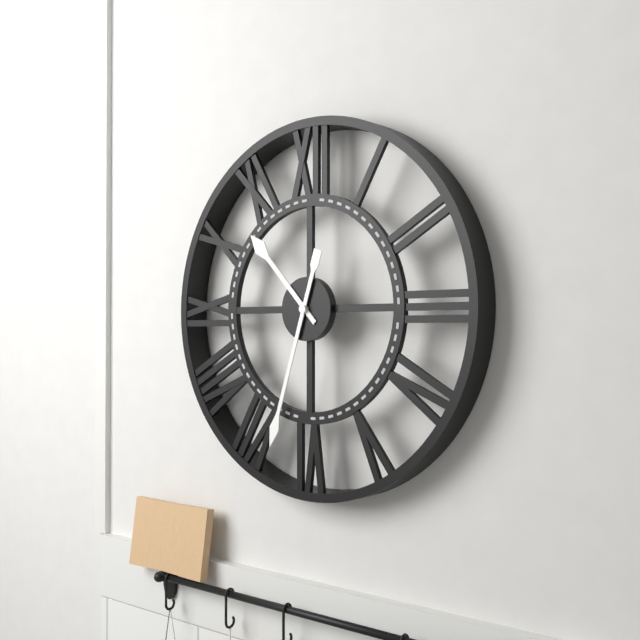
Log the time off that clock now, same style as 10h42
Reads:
10h33
